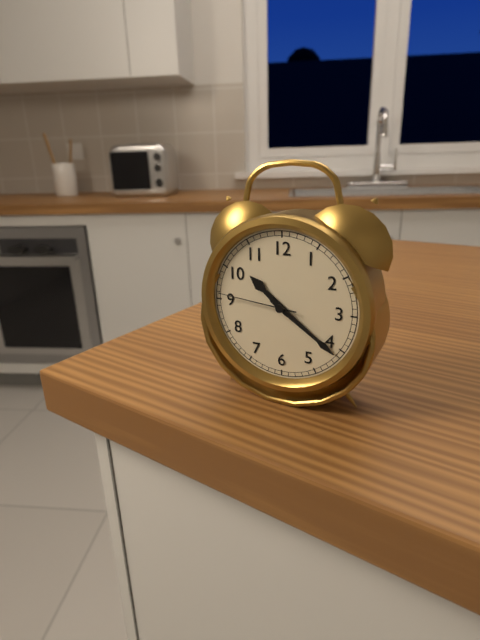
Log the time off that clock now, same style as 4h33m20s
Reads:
10h21m46s
